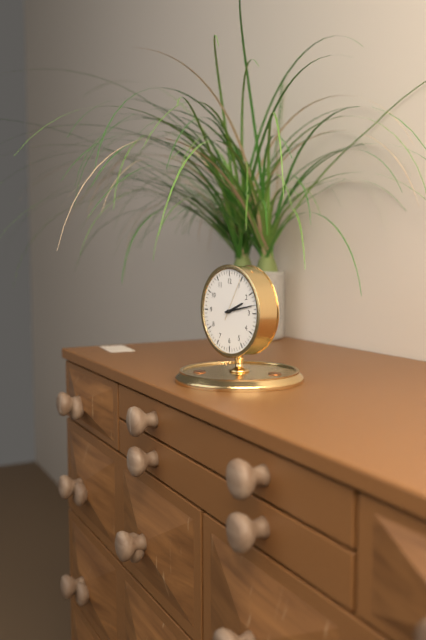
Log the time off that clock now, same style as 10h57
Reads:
2h13
